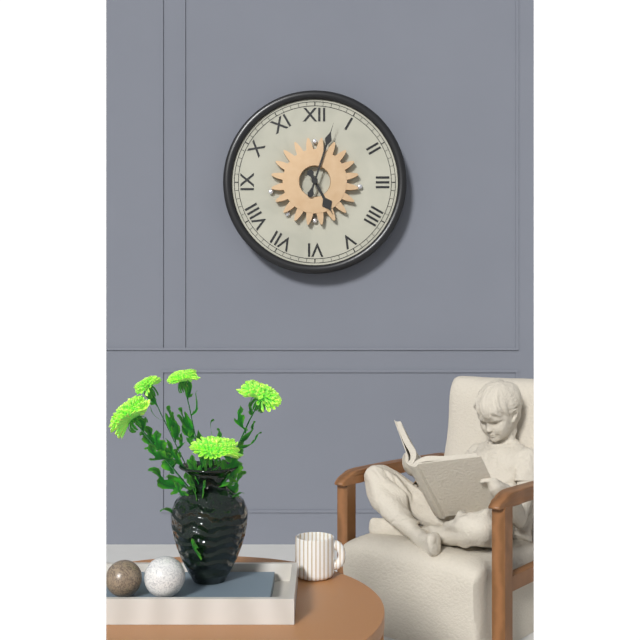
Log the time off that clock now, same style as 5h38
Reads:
5h03
